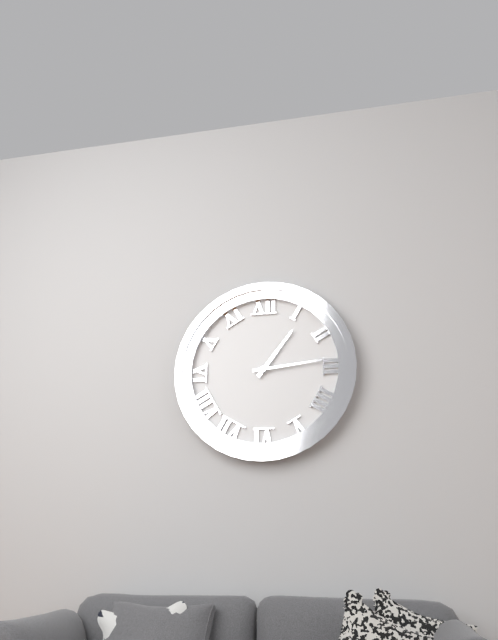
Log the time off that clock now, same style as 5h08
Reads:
1h14
